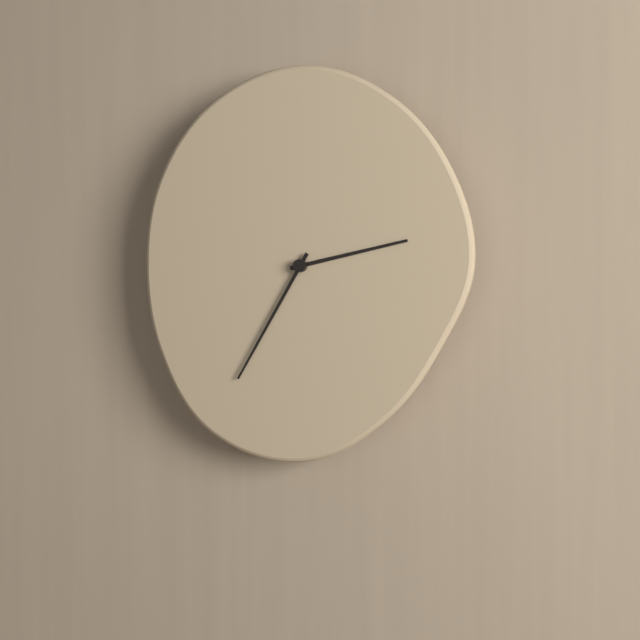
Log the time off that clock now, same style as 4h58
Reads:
2h35
